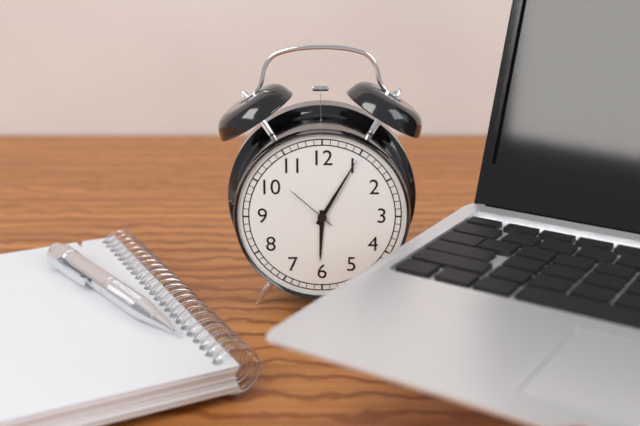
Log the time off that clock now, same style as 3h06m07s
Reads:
6h05m52s
